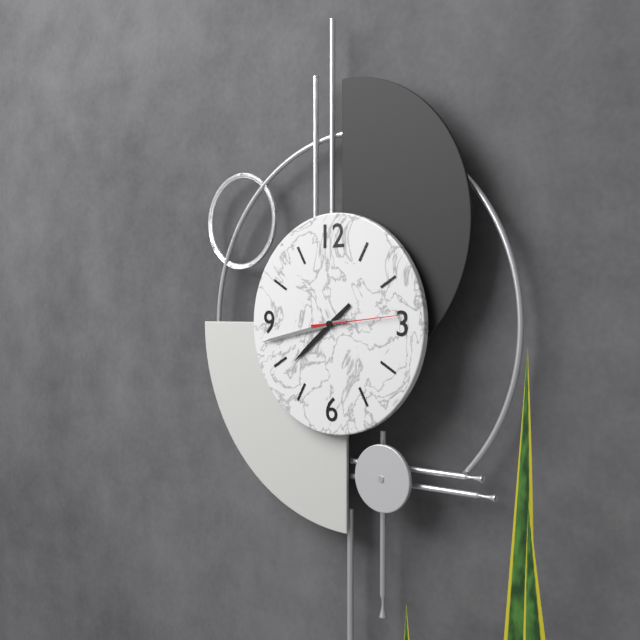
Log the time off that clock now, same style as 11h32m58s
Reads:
7h43m14s
